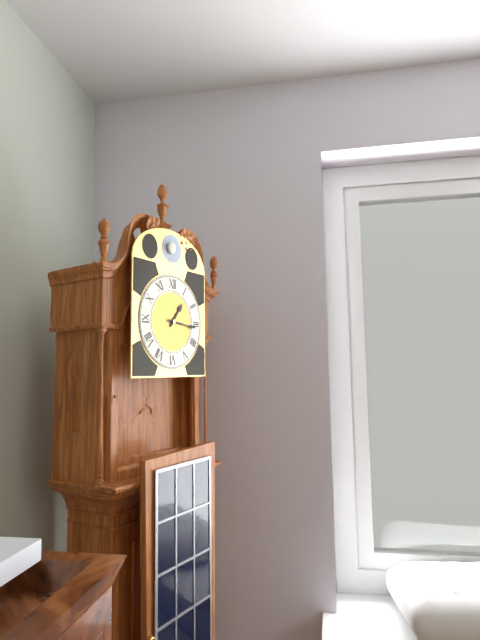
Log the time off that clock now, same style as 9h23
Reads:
1h16
